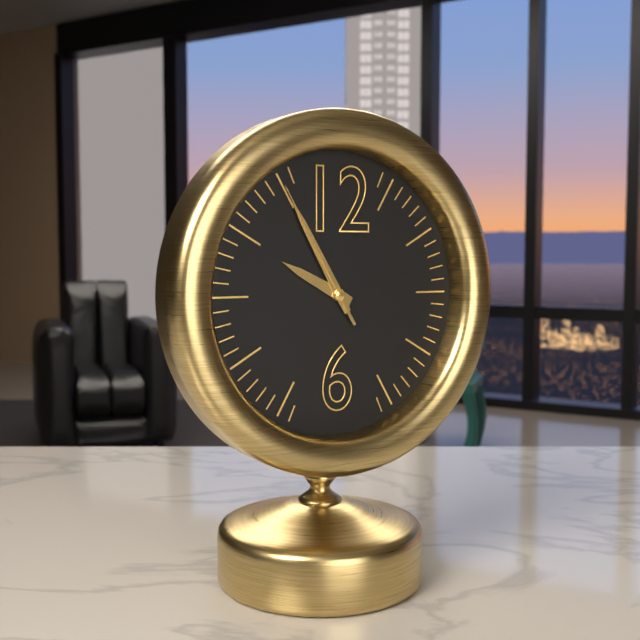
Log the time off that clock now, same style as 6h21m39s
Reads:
9h55m55s
